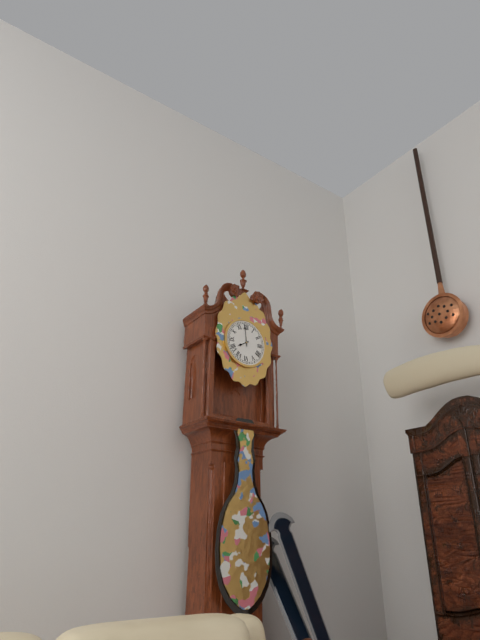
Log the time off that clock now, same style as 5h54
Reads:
7h59
